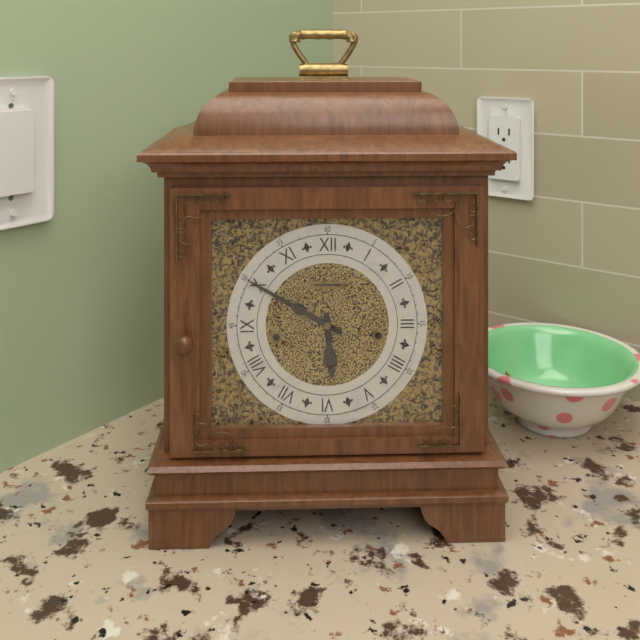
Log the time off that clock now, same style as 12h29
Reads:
5h50
